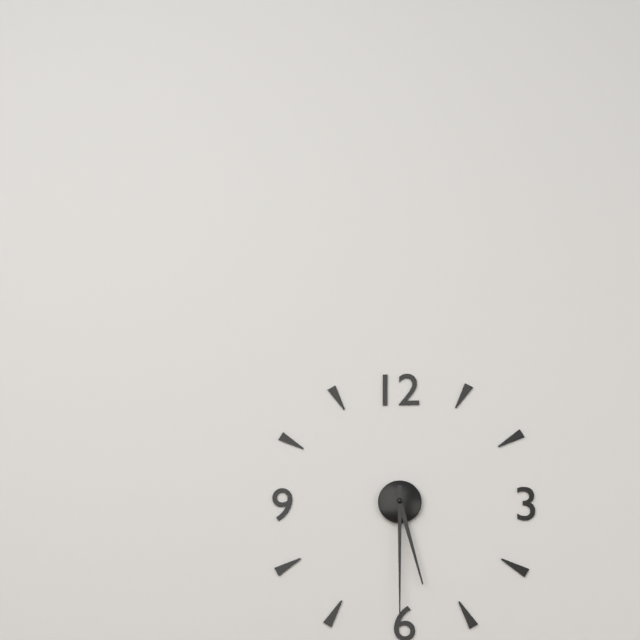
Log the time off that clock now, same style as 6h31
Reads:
5h30
